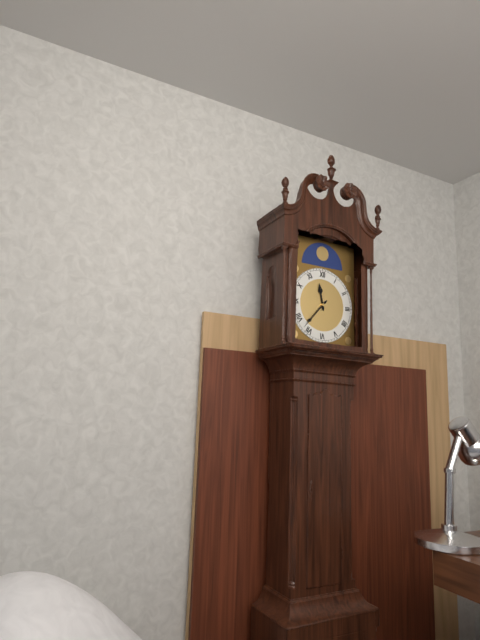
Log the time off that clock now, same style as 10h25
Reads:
11h37
